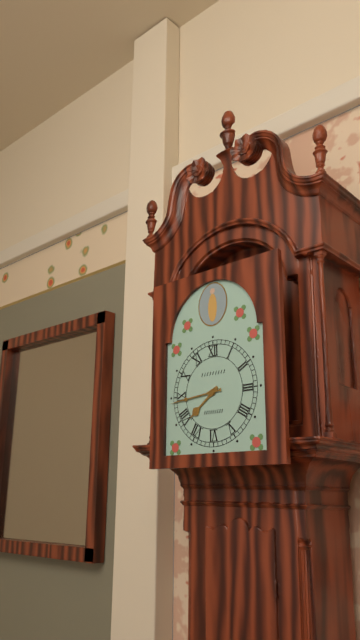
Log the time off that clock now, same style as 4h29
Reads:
7h44
